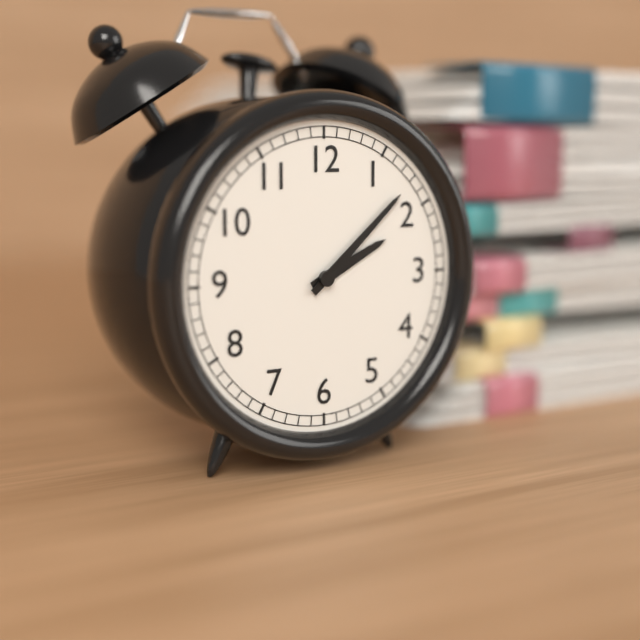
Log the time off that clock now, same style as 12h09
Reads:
2h08
